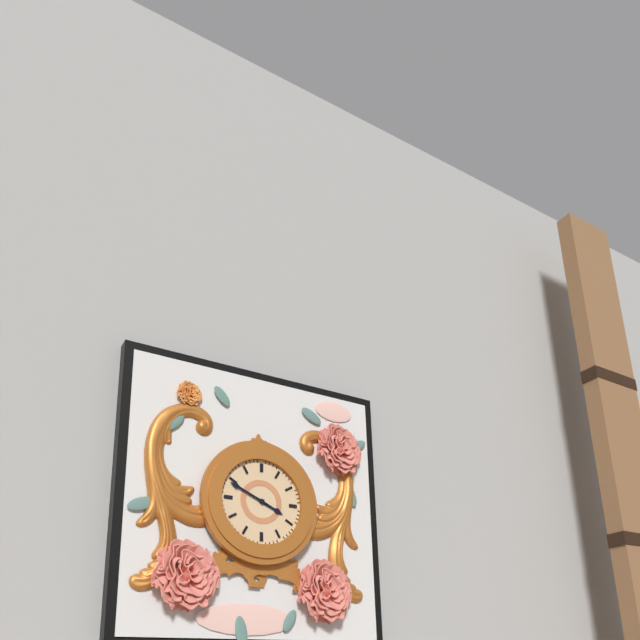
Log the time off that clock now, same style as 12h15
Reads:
3h49
